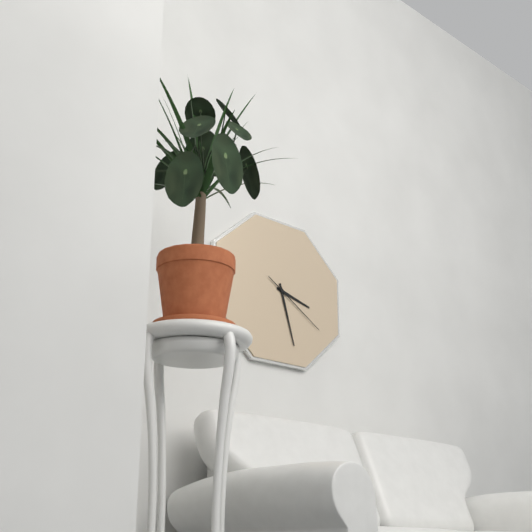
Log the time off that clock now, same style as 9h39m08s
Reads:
3h27m20s
